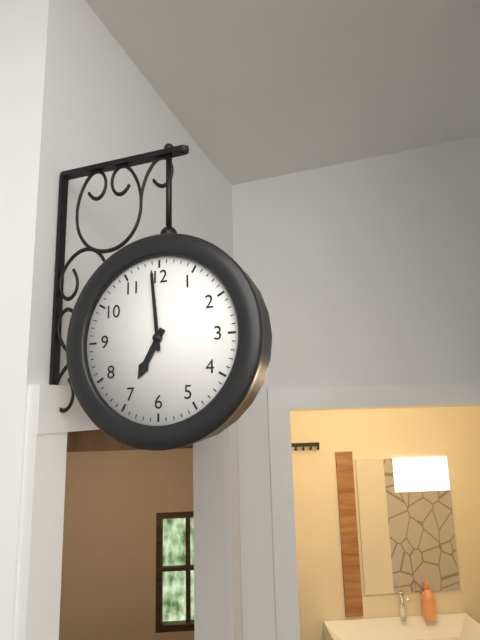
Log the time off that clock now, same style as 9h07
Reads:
6h59
